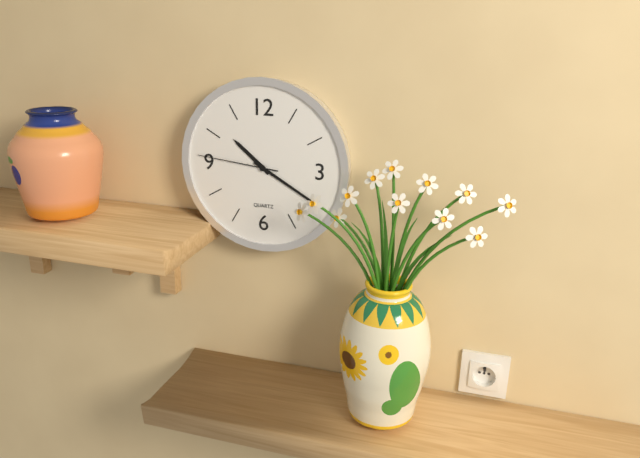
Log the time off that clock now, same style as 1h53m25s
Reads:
10h20m46s
